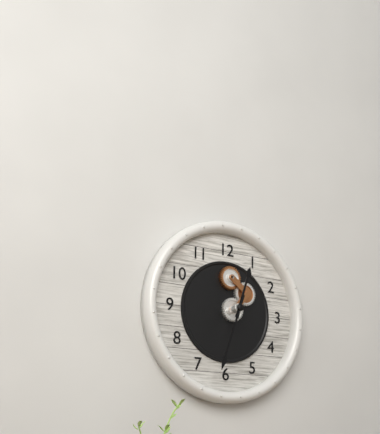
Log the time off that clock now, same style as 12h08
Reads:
12h33
